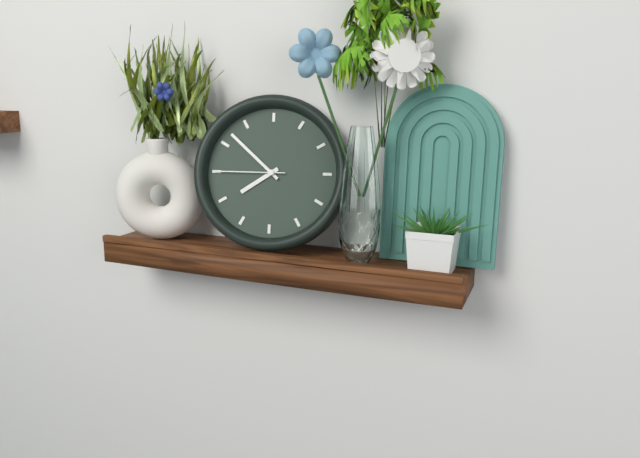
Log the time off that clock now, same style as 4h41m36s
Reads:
7h52m45s
